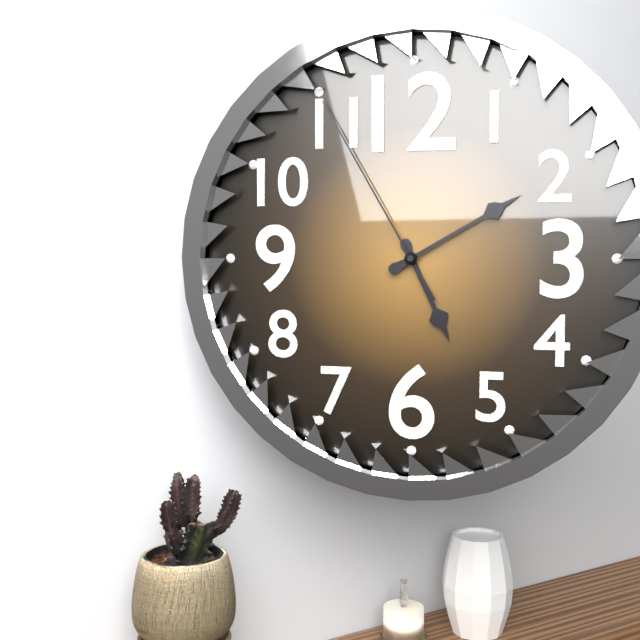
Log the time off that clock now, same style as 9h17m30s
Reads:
5h10m55s
